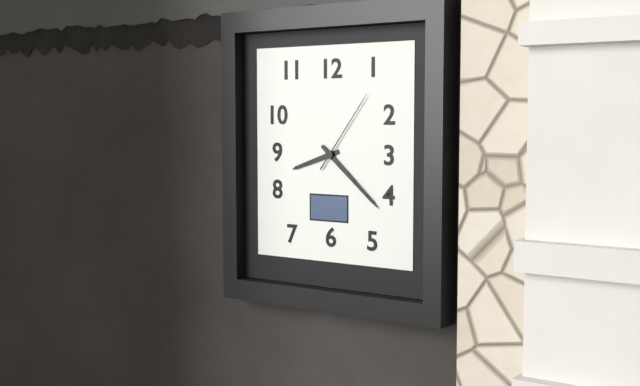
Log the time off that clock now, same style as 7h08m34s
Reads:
8h22m06s
